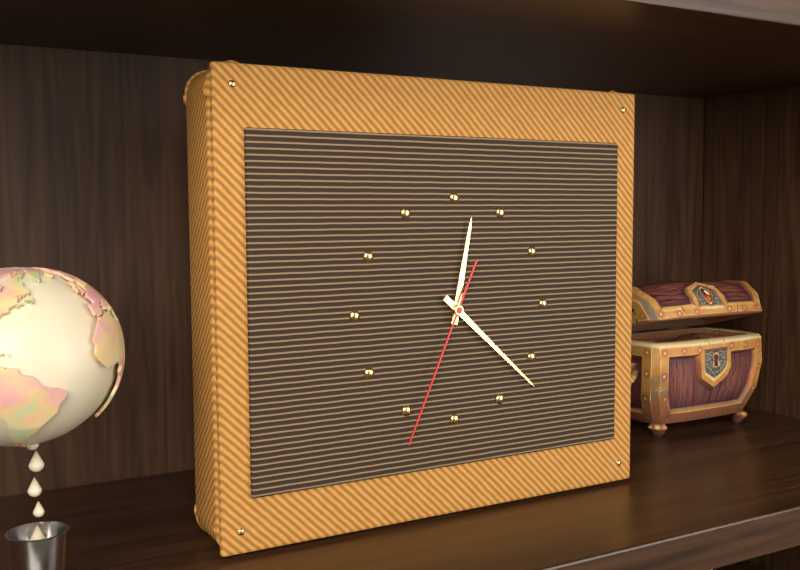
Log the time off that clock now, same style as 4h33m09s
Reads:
12h22m34s
